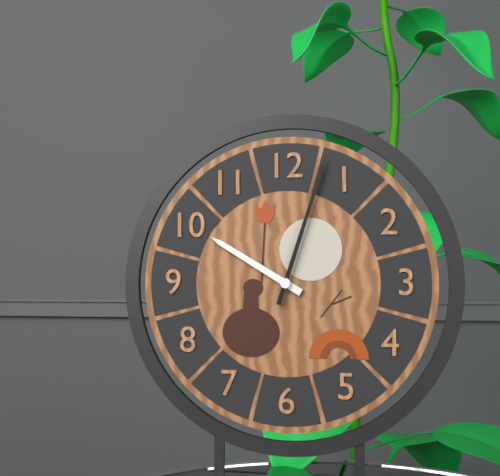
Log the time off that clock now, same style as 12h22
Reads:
10h03
